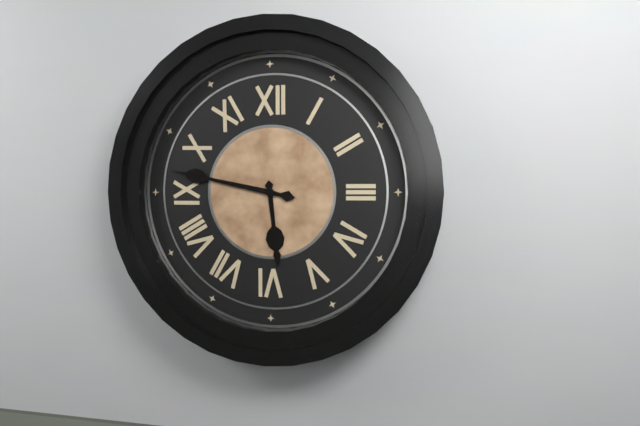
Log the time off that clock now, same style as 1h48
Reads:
5h47
